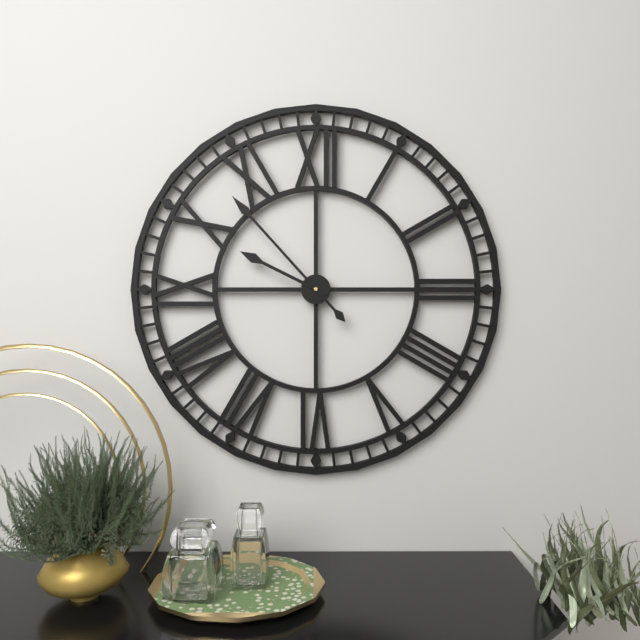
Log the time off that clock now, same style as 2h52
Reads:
9h53
